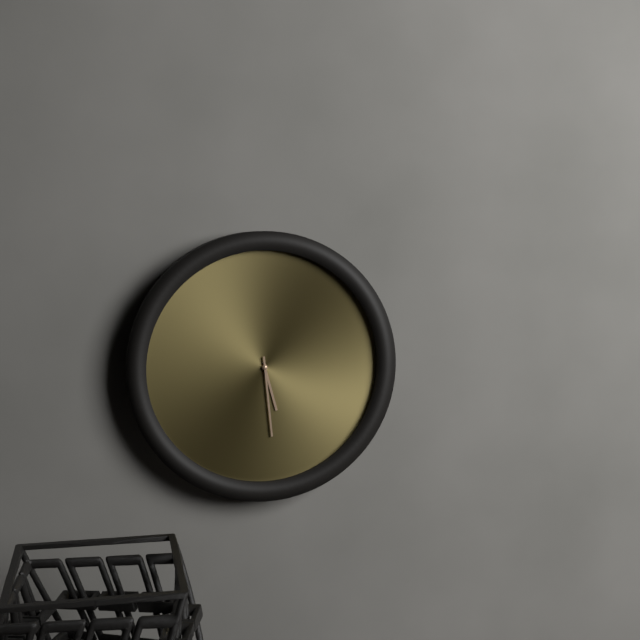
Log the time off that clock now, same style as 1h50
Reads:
5h29
